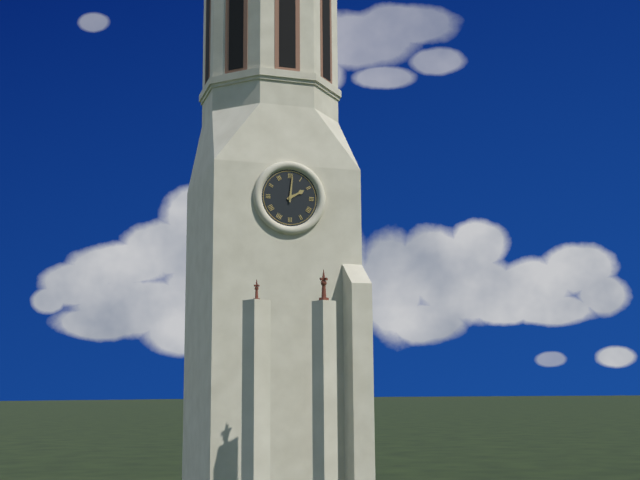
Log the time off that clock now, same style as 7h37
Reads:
2h01
